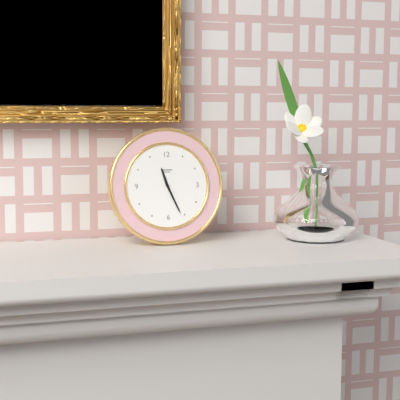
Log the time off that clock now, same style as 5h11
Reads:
11h26
